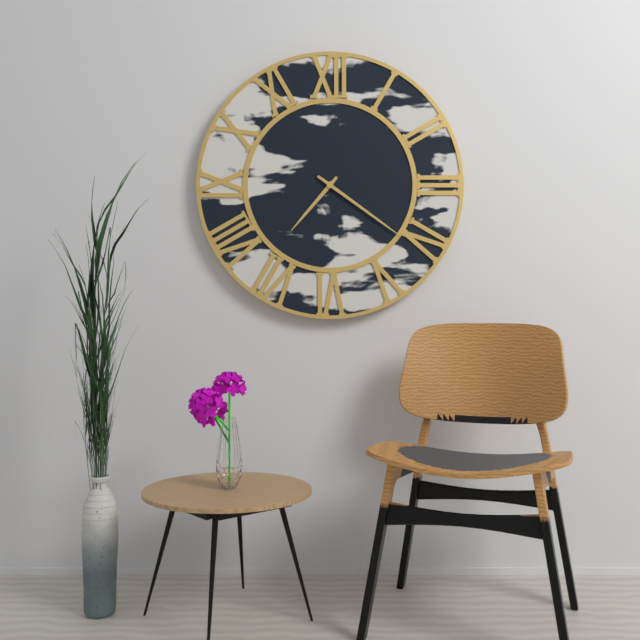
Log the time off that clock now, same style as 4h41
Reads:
7h21
